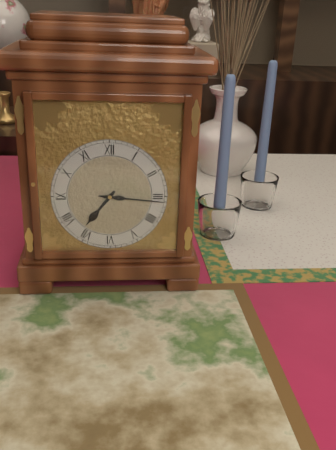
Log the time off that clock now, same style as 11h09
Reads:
7h16
